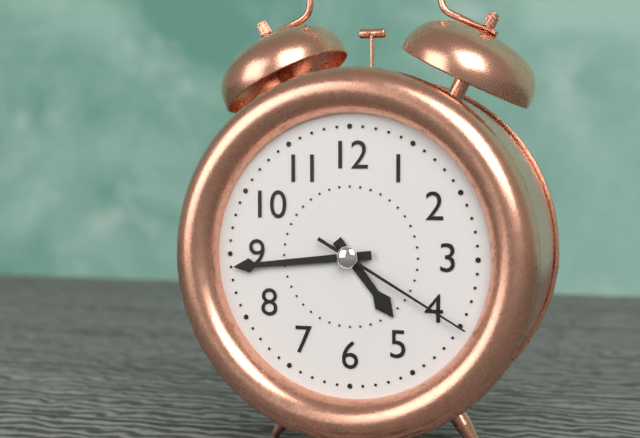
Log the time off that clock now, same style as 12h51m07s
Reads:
4h44m20s
